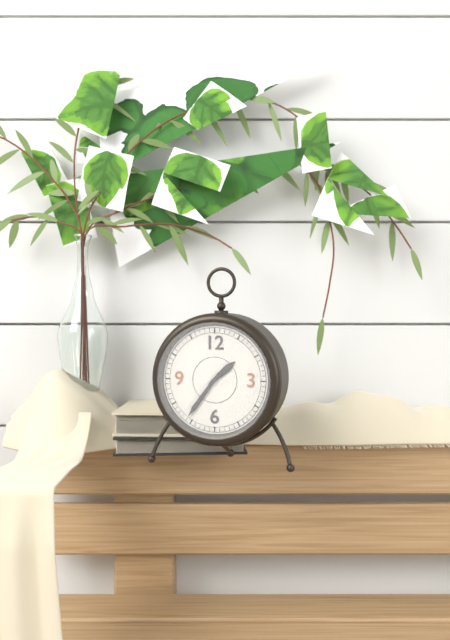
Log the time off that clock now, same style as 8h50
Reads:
1h36
